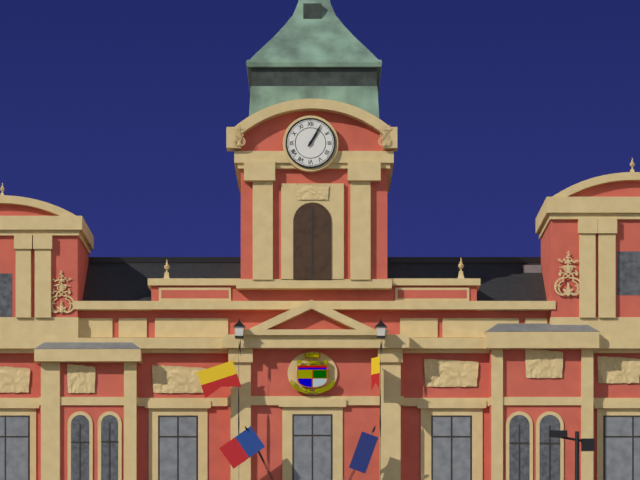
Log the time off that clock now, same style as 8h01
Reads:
1h05
